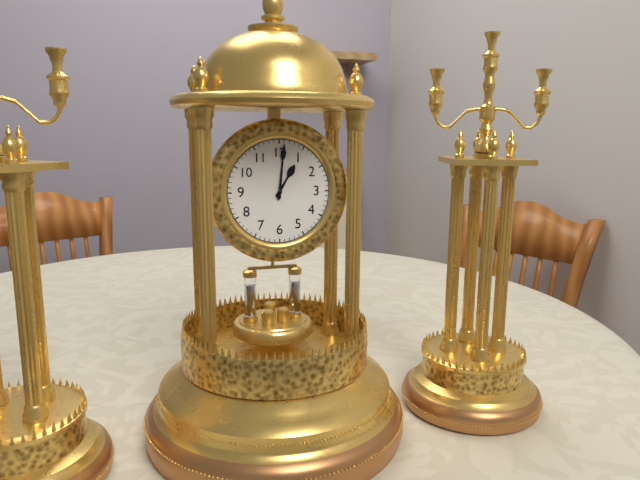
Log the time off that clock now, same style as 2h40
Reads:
1h01
